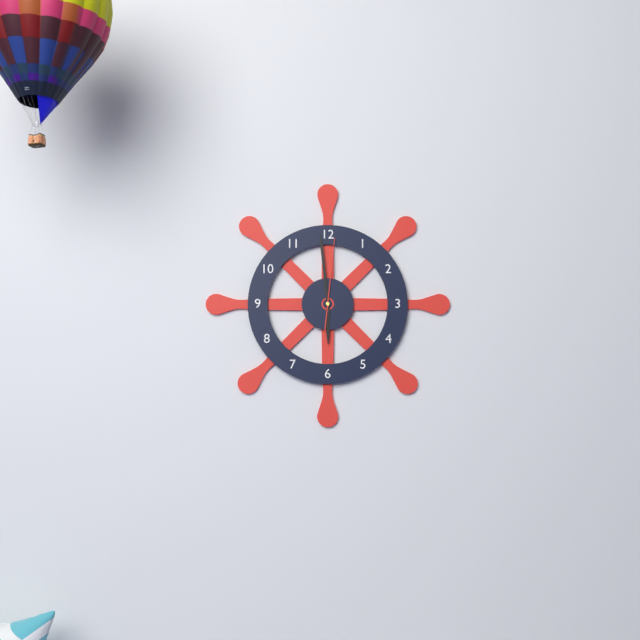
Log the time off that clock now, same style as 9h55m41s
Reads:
5h59m01s
